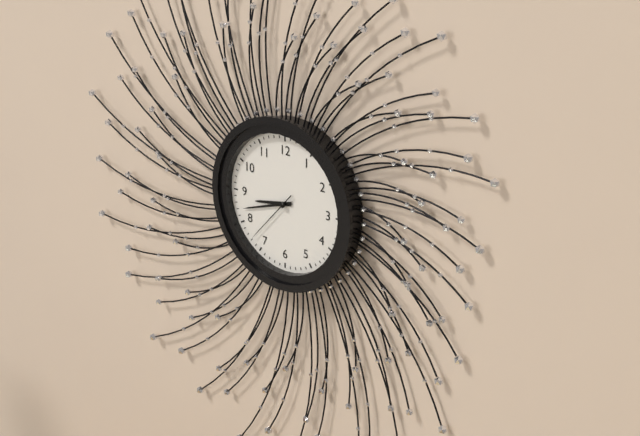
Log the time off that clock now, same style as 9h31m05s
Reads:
8h42m37s
